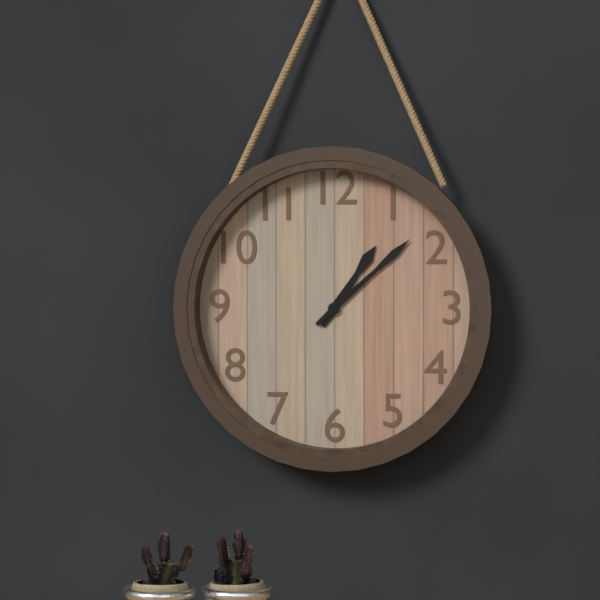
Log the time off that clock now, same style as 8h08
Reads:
1h08
